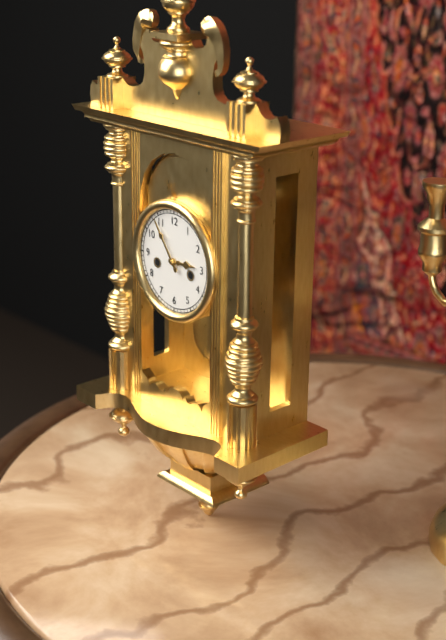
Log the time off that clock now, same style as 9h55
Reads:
2h54
